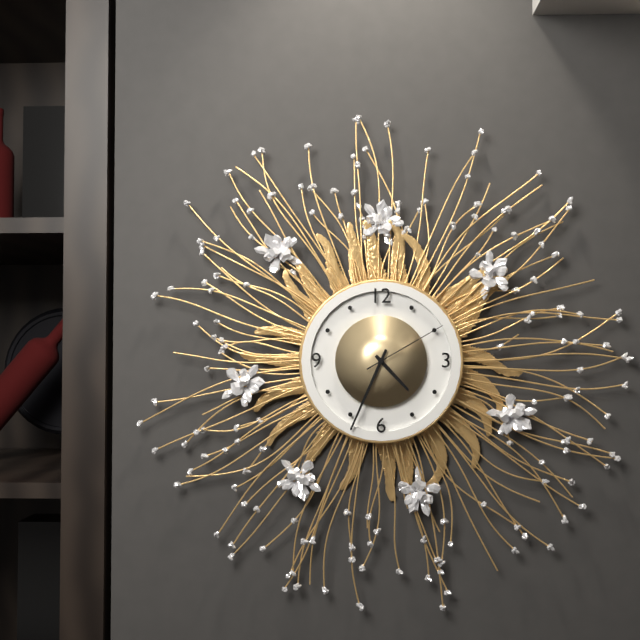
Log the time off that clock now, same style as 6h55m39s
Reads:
4h34m10s
